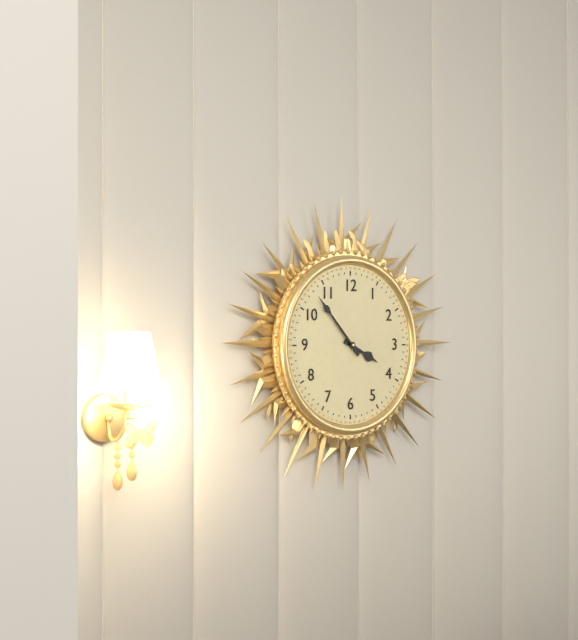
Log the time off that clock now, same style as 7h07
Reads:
3h53
